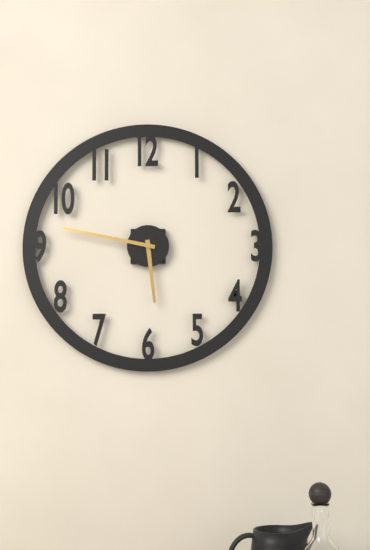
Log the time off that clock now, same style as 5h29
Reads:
5h47
